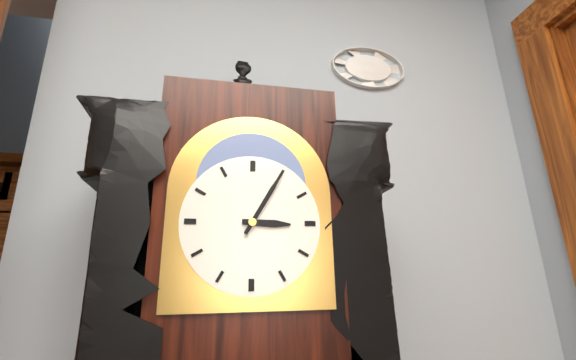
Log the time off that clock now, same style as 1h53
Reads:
3h05
